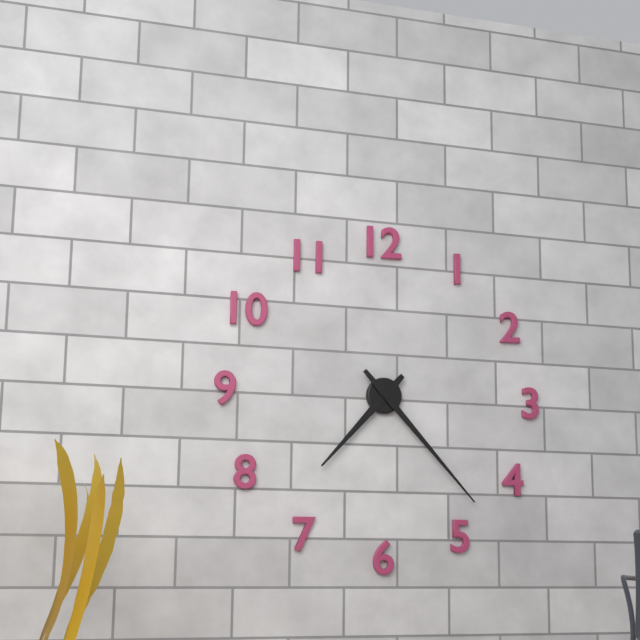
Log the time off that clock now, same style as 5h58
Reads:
7h23
